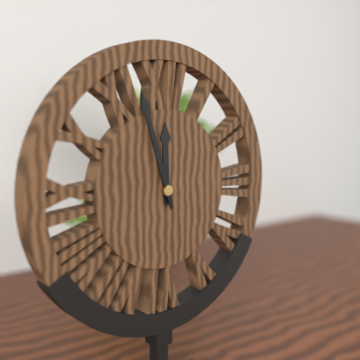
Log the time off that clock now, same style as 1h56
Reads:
11h57
